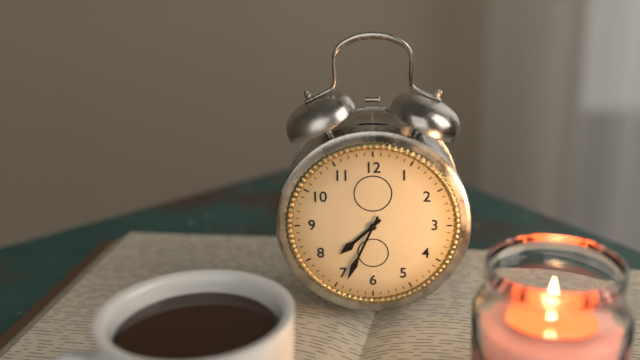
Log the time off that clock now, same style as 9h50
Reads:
7h34
